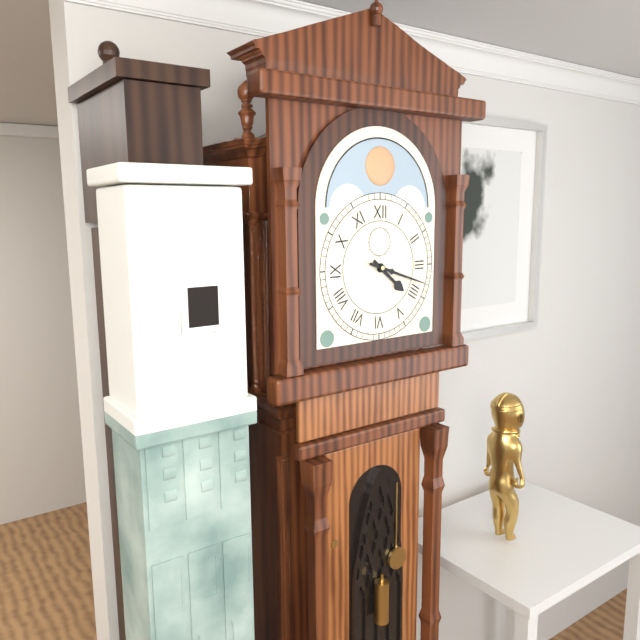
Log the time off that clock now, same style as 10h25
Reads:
4h18
